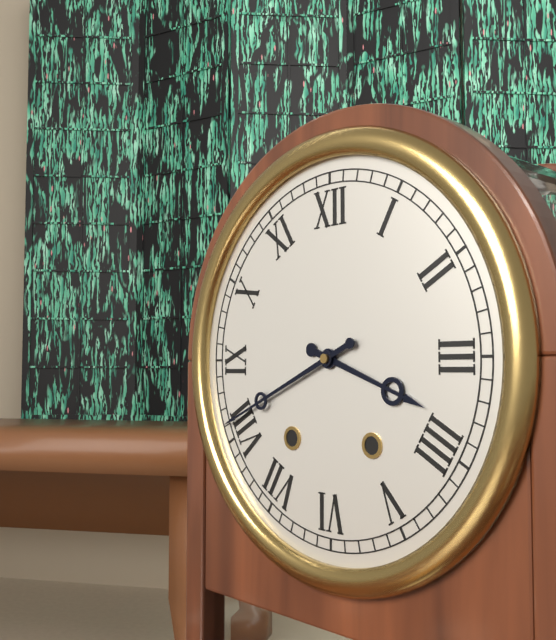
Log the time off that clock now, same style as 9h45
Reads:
3h41
